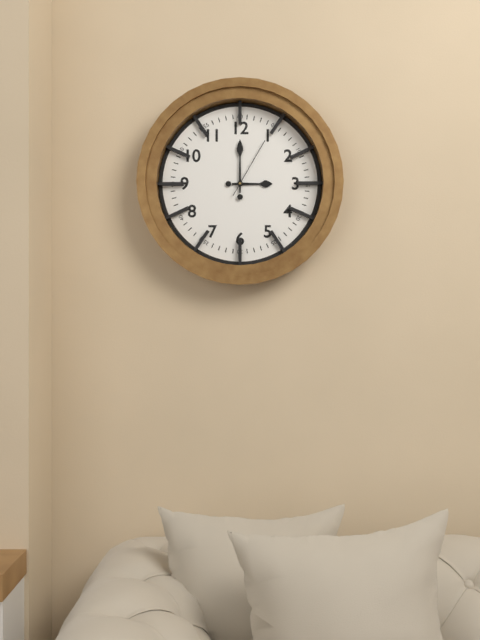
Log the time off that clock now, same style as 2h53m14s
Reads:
3h00m05s
